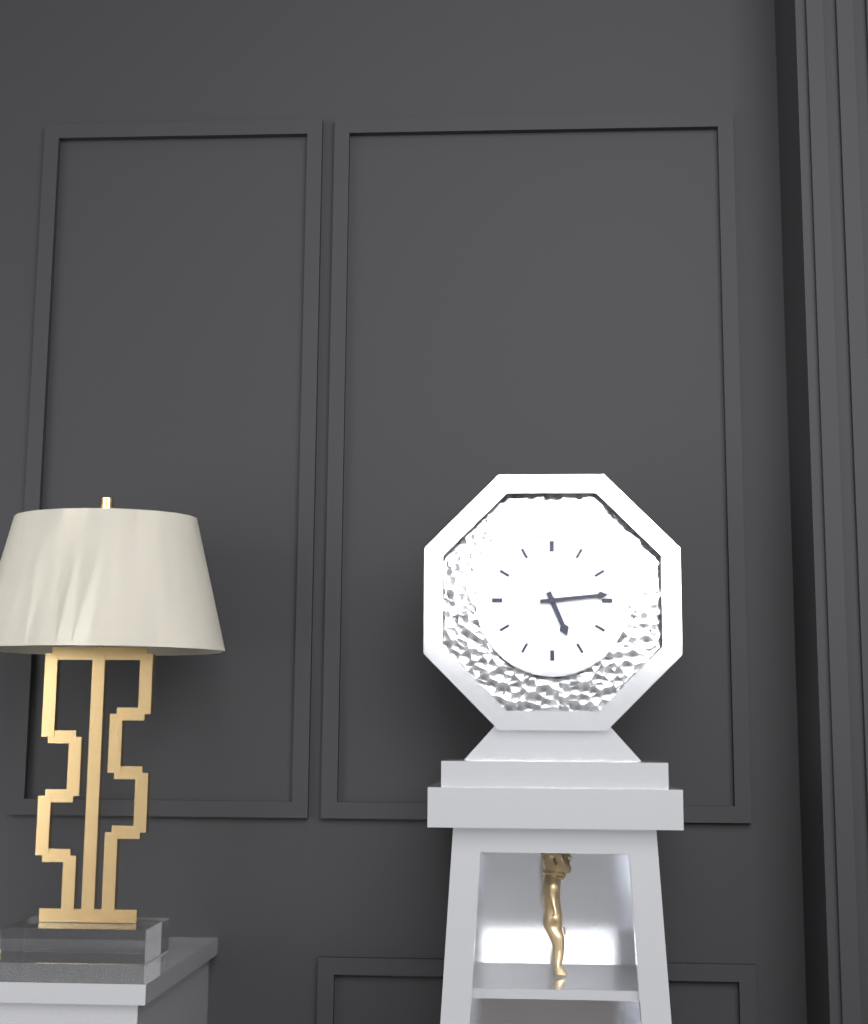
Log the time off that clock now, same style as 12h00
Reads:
5h14
